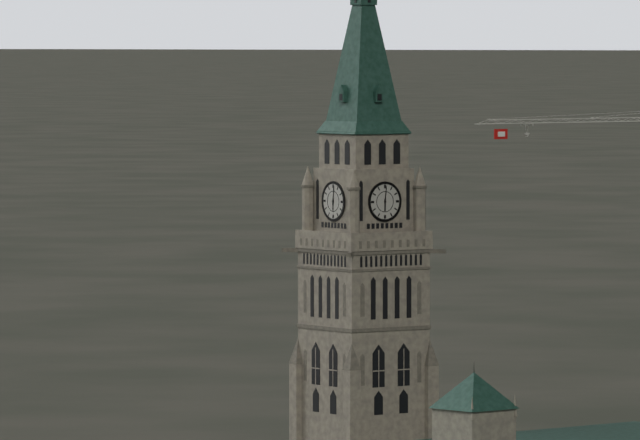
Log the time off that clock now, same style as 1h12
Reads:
6h01
